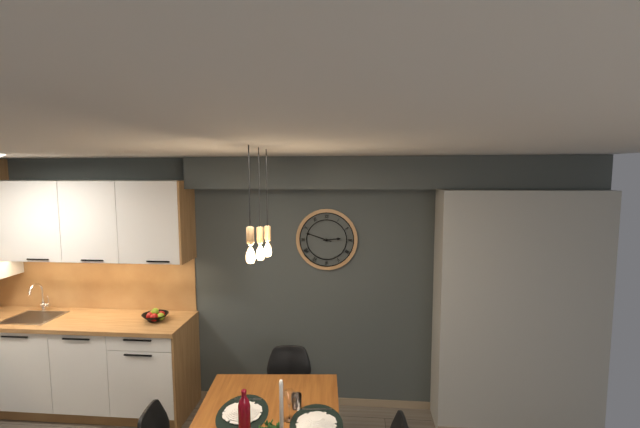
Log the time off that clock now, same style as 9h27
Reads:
2h48
